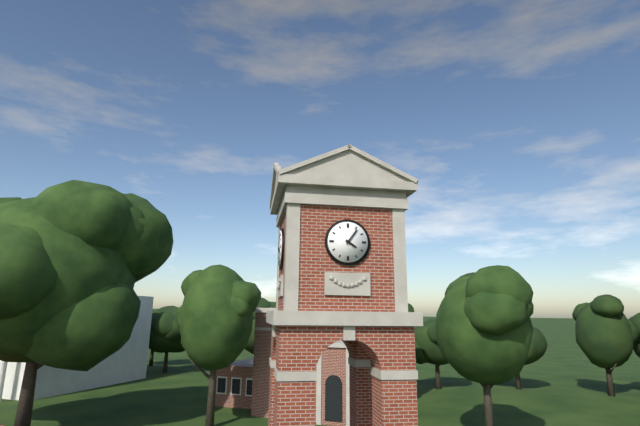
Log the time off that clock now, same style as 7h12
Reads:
4h06
